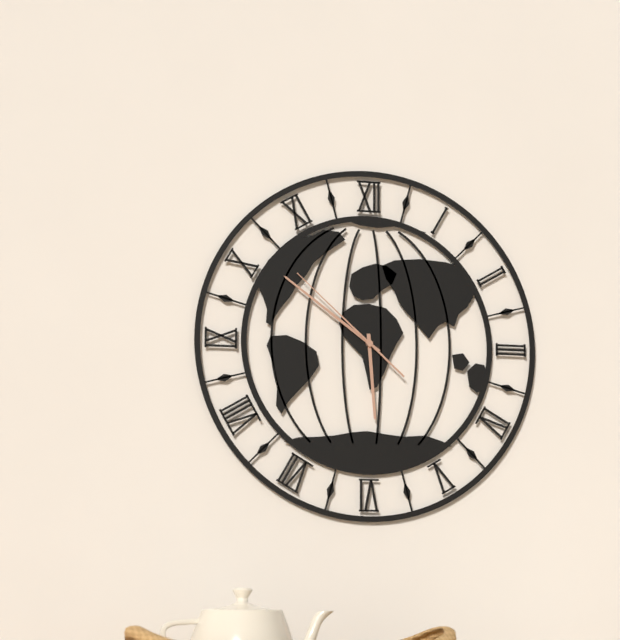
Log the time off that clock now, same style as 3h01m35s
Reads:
5h51m52s
